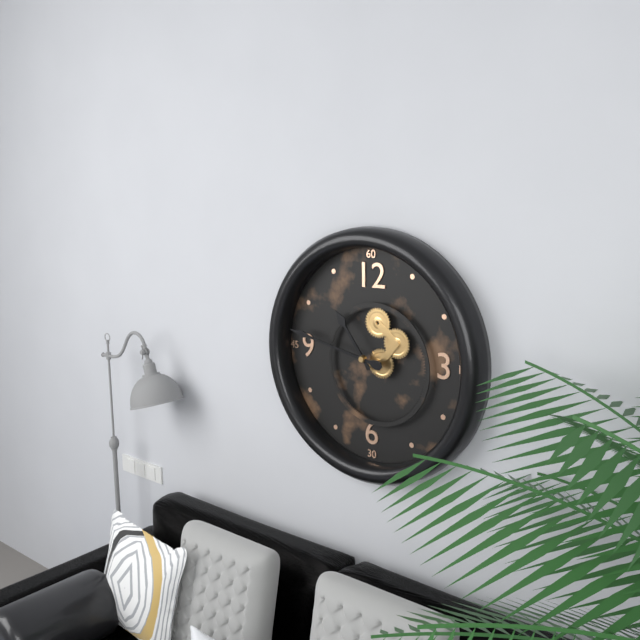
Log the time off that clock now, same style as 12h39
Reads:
10h47
